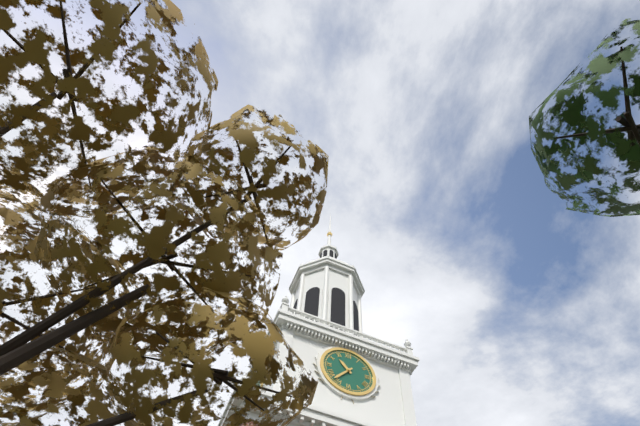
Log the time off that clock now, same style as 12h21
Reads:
10h37
